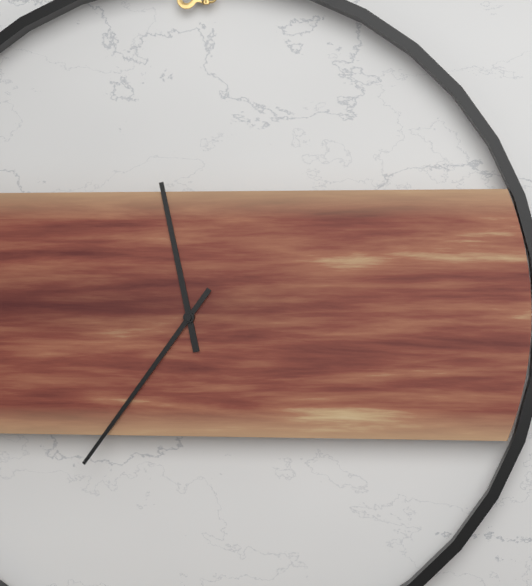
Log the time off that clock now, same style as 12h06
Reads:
11h36
